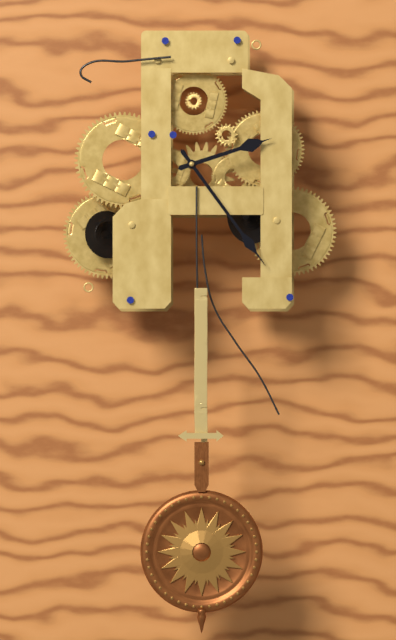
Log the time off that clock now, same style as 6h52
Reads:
2h24
